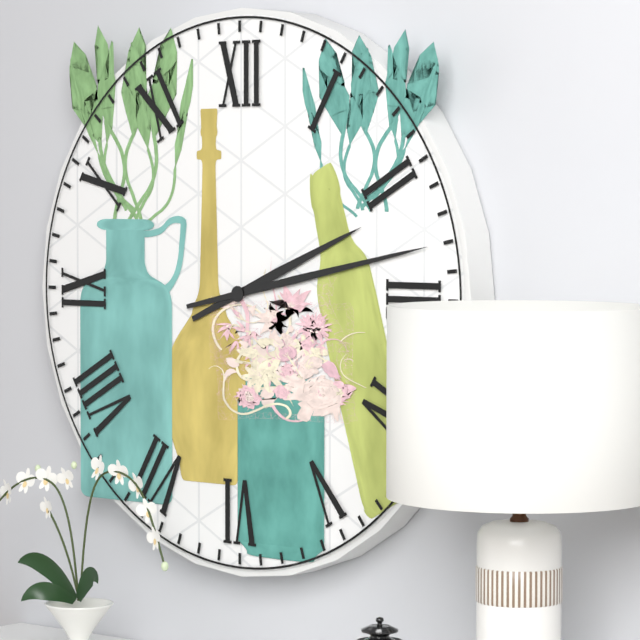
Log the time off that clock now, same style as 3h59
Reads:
2h13
